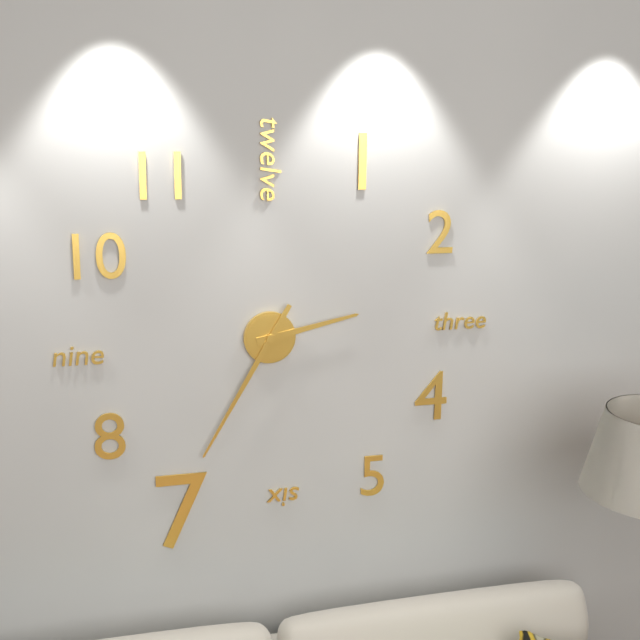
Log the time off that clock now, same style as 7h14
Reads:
2h35
